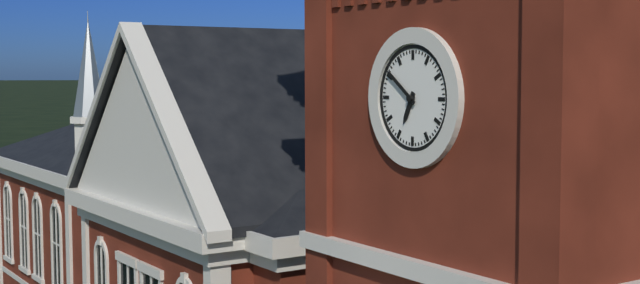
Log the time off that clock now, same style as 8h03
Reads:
6h51
